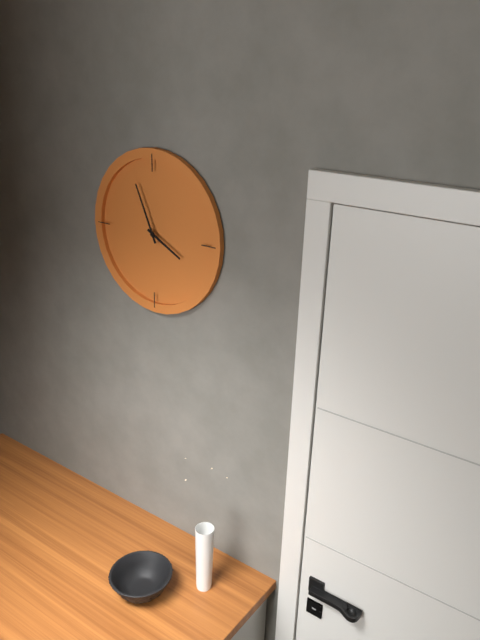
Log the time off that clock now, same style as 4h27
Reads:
3h56
